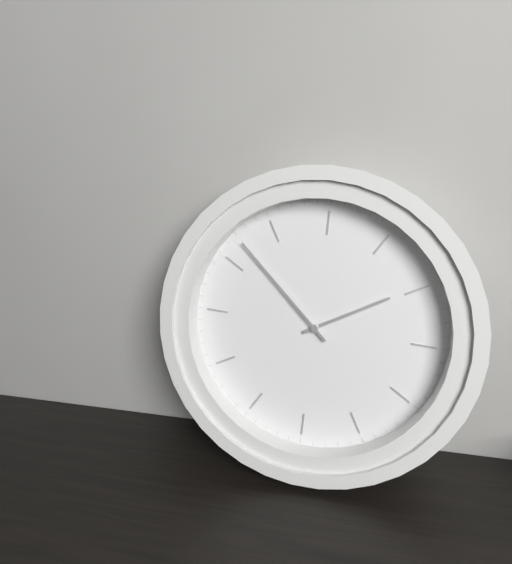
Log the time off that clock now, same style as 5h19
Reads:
2h57
